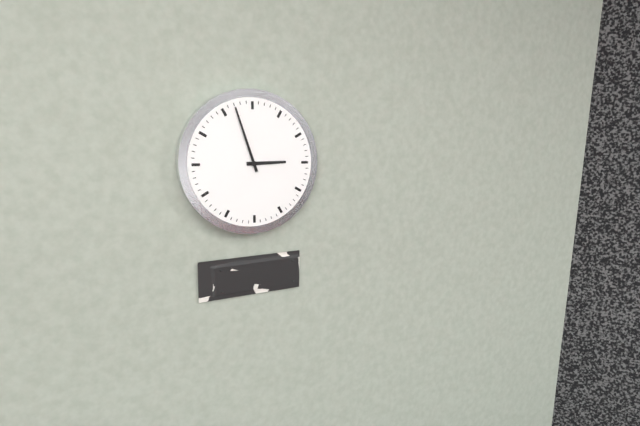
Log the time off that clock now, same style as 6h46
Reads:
2h57
